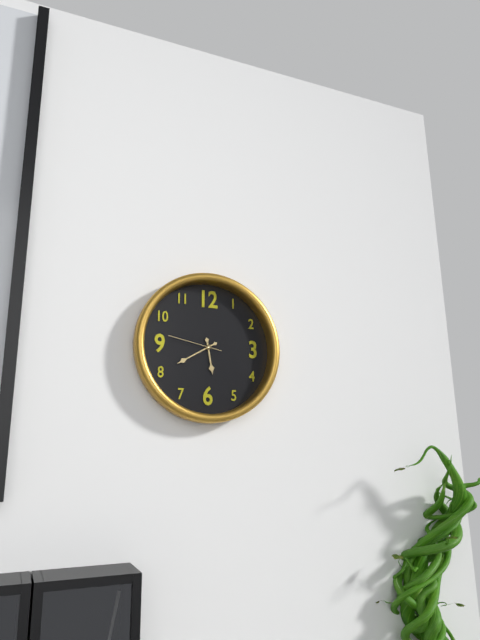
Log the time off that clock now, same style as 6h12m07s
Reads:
5h40m47s
